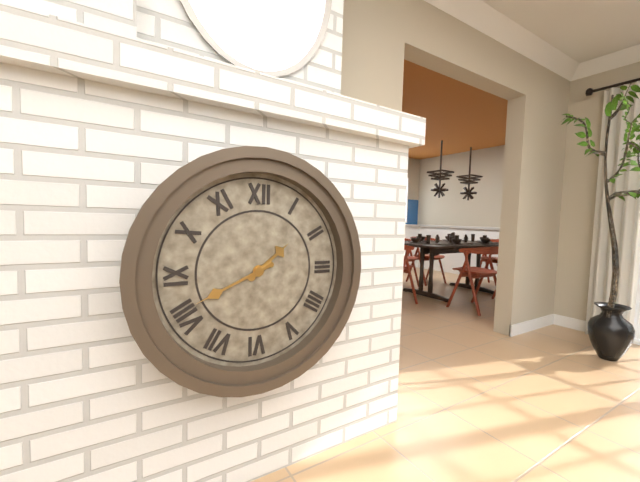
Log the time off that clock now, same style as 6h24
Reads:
1h41
